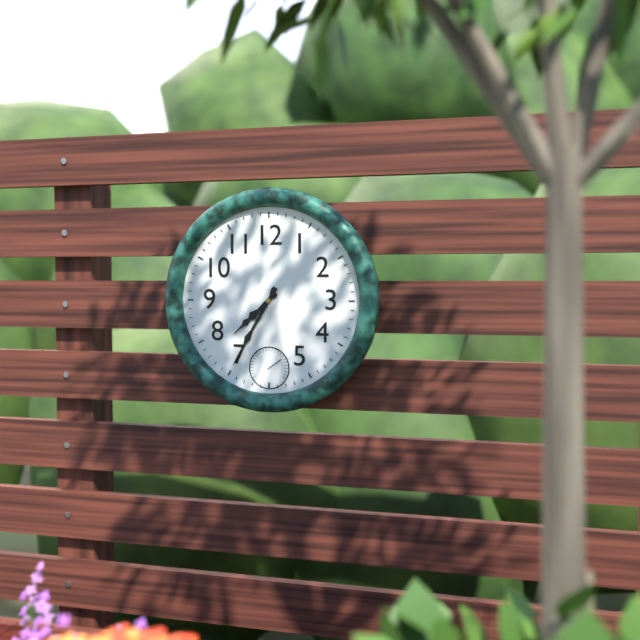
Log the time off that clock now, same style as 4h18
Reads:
7h35
